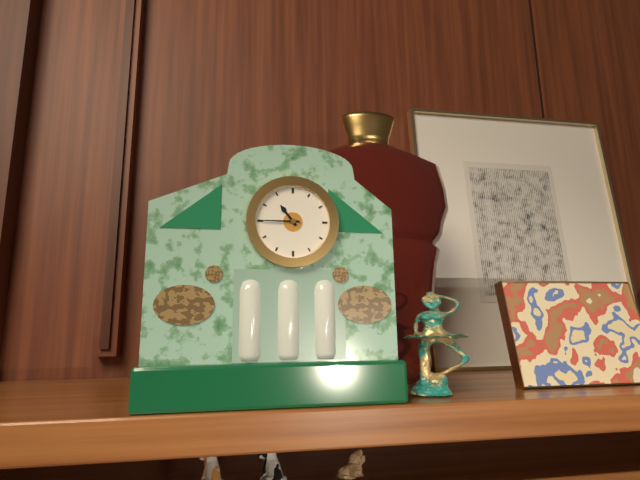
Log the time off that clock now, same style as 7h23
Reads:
10h45
